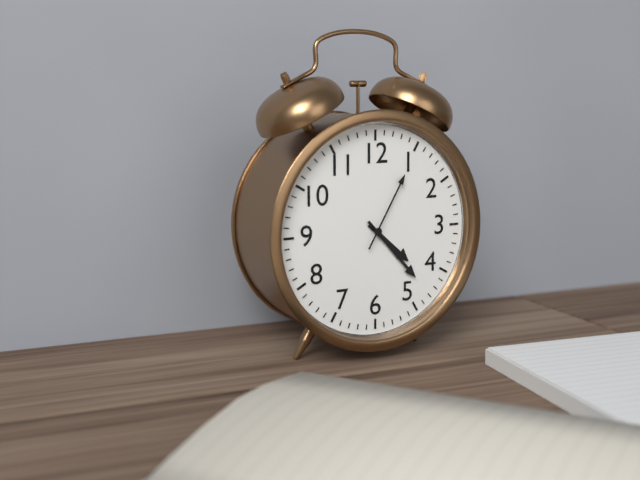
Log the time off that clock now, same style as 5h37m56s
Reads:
4h23m05s
